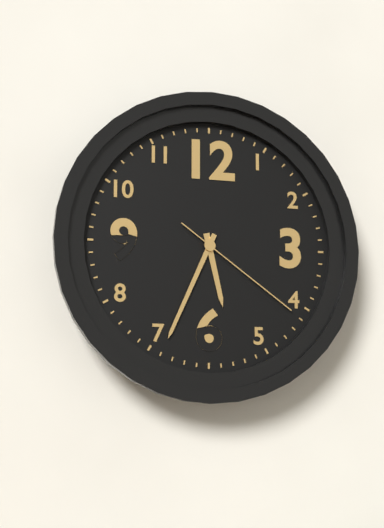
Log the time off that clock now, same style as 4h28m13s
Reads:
5h34m21s
